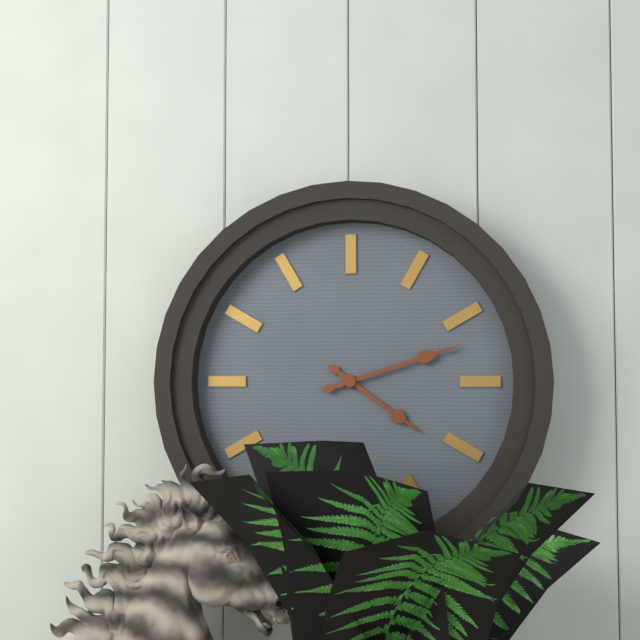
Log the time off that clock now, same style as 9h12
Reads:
4h12
